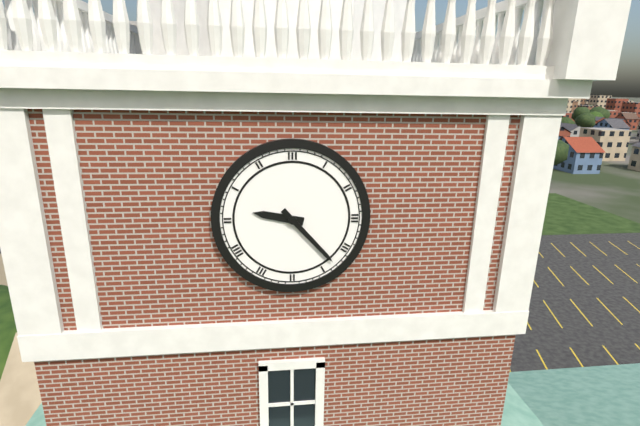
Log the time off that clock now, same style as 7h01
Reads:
9h23
